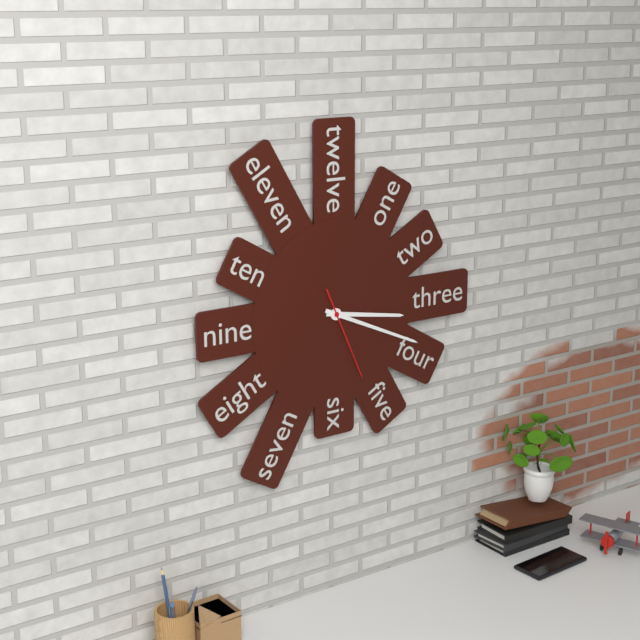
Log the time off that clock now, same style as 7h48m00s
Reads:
3h19m26s
